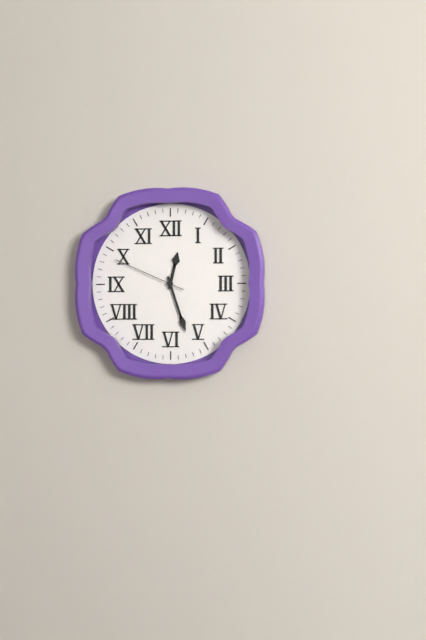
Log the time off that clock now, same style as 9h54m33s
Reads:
12h27m49s
